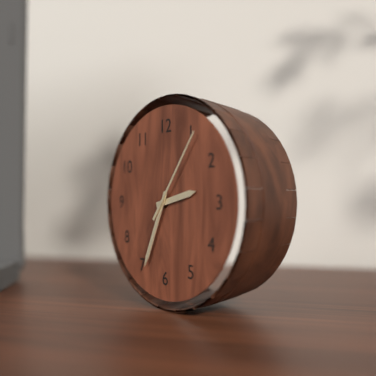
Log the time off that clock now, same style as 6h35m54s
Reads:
2h34m06s
